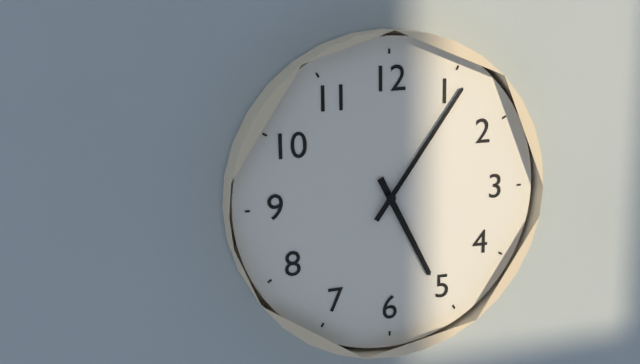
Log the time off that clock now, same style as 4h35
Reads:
5h06
